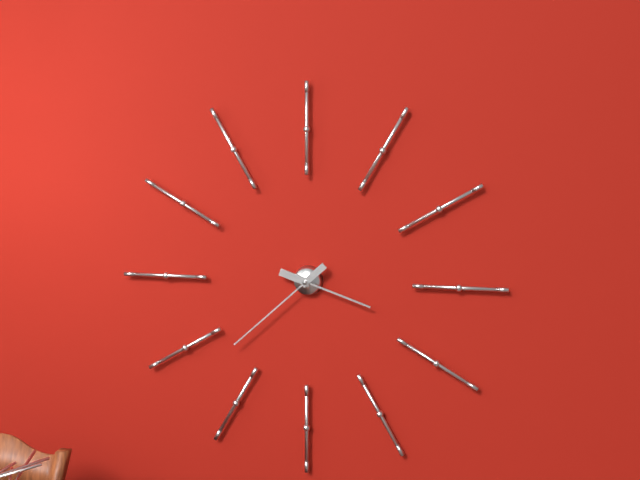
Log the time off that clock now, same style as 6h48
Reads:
3h38
